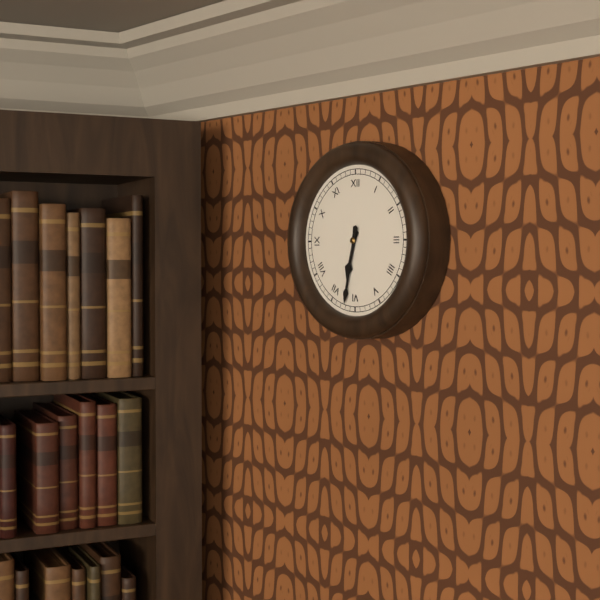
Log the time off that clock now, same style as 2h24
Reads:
6h32
